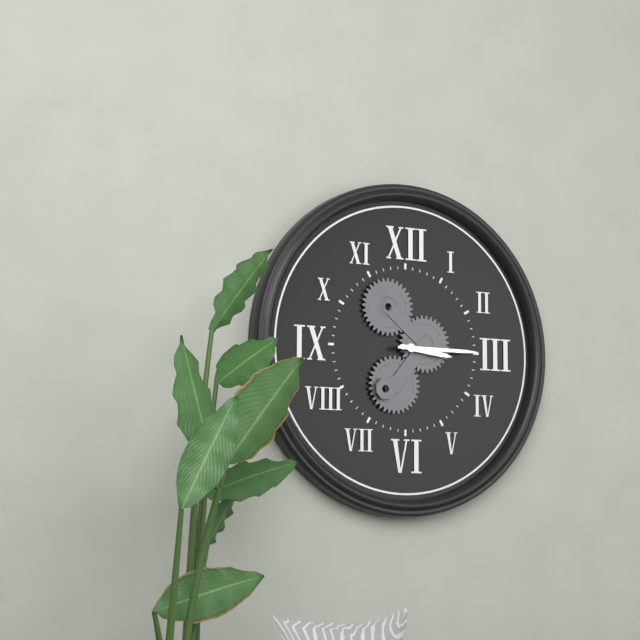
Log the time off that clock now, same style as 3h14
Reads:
3h15
